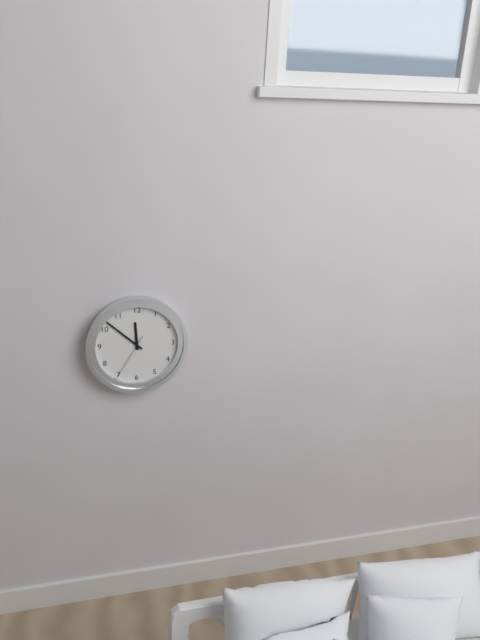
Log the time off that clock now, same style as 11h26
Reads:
11h52
